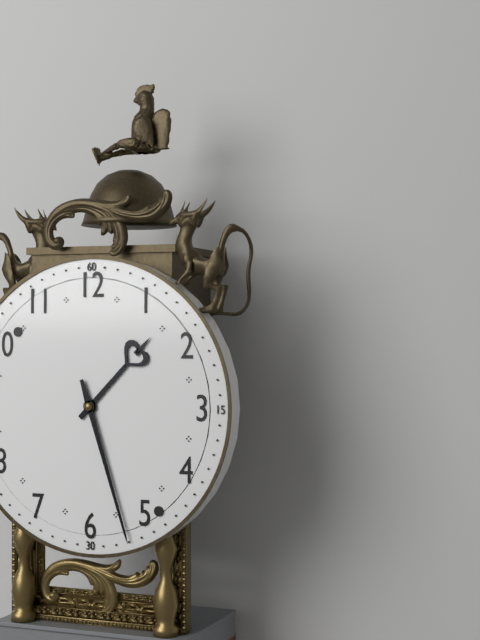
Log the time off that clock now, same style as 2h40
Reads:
1h27
